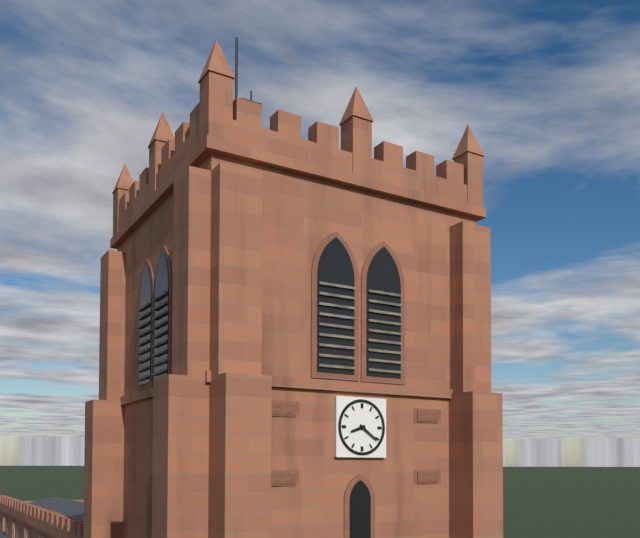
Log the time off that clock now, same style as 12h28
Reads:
8h21
